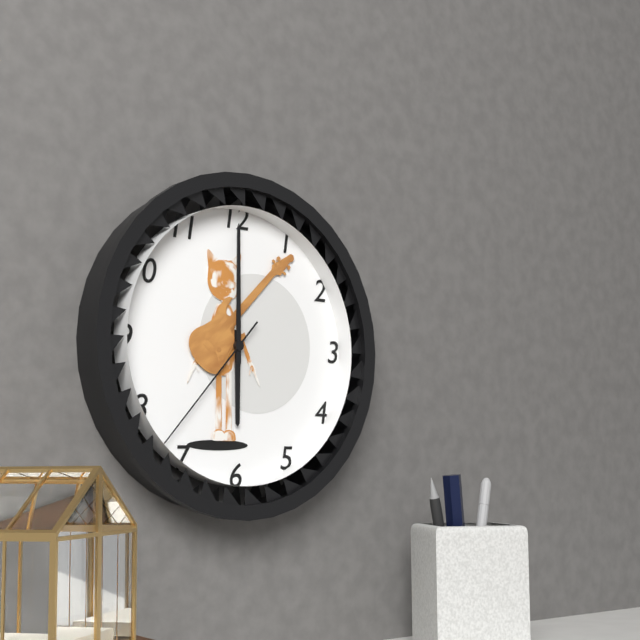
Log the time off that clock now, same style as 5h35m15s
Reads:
6h00m37s
